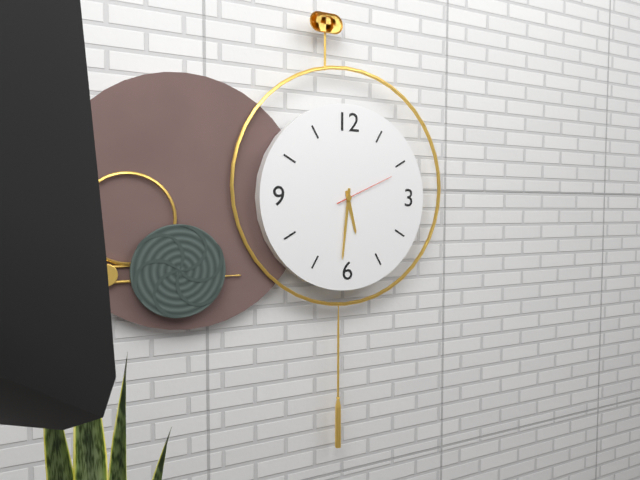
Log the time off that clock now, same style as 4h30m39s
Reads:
5h31m11s
